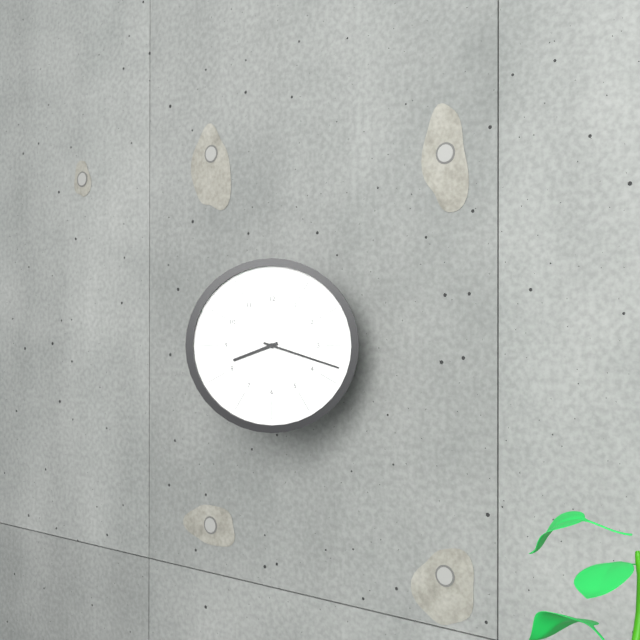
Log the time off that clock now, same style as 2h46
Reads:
8h18
